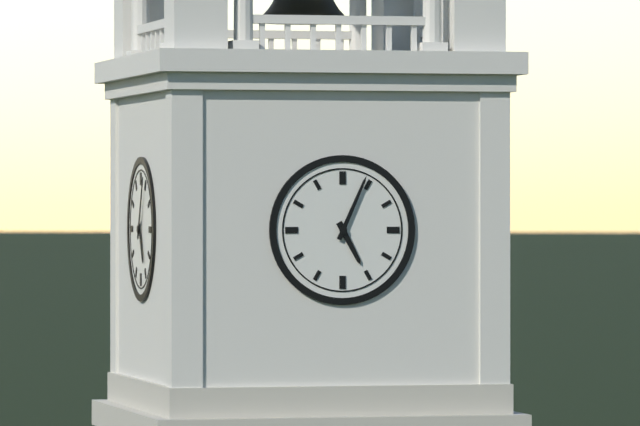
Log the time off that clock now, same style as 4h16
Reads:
5h04
